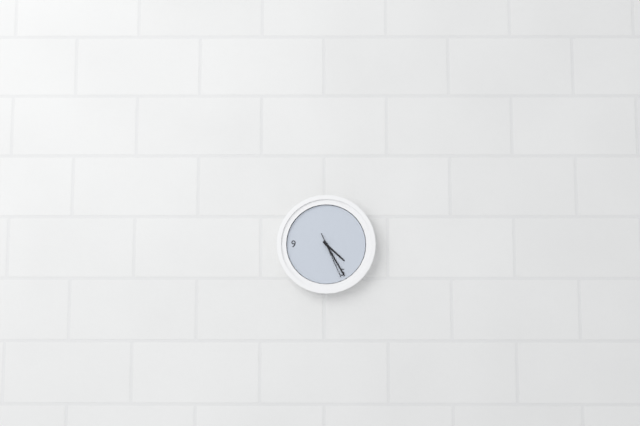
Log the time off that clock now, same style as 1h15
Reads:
4h25
